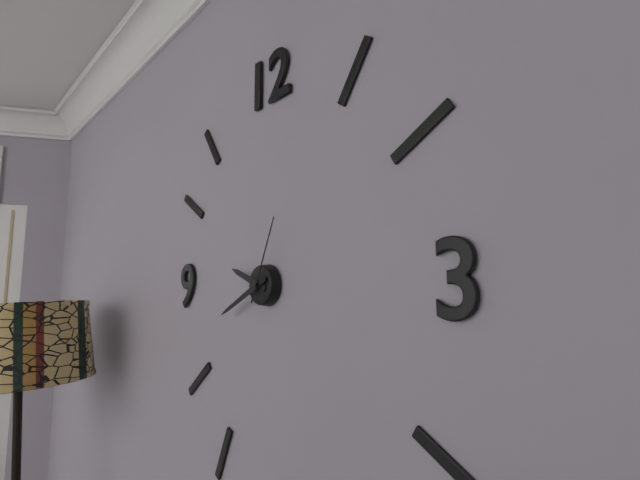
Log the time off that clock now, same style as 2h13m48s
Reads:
9h41m04s
